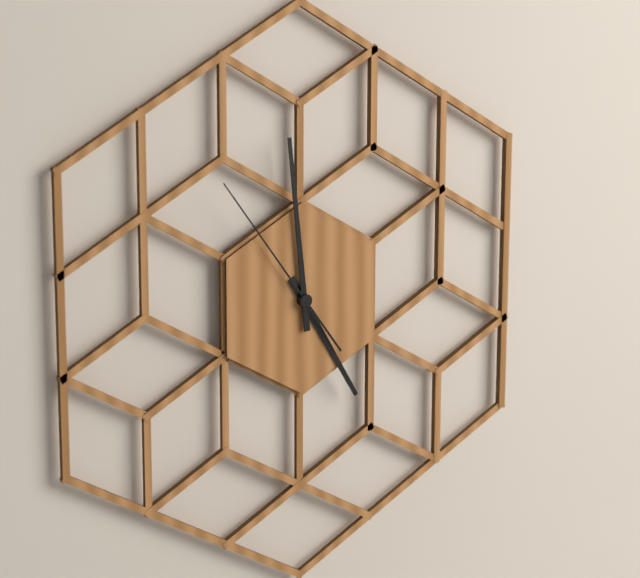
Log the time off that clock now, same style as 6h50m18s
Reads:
4h59m54s
